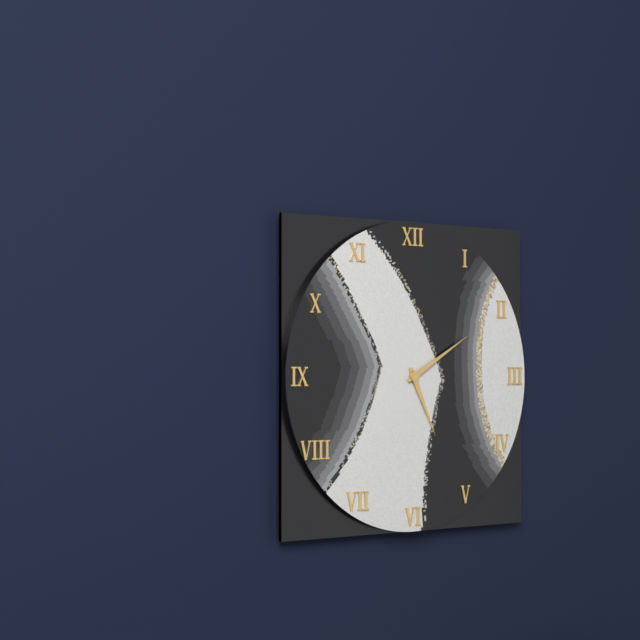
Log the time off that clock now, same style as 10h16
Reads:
5h10
